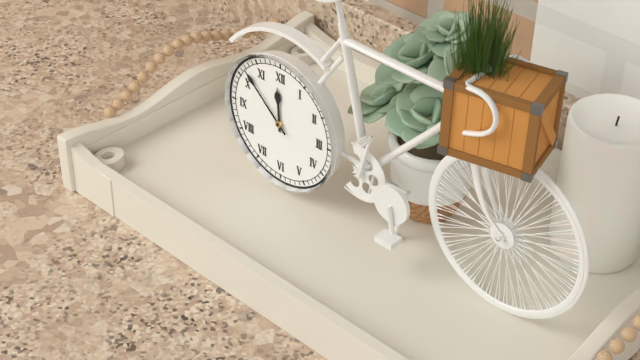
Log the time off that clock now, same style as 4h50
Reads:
11h52
